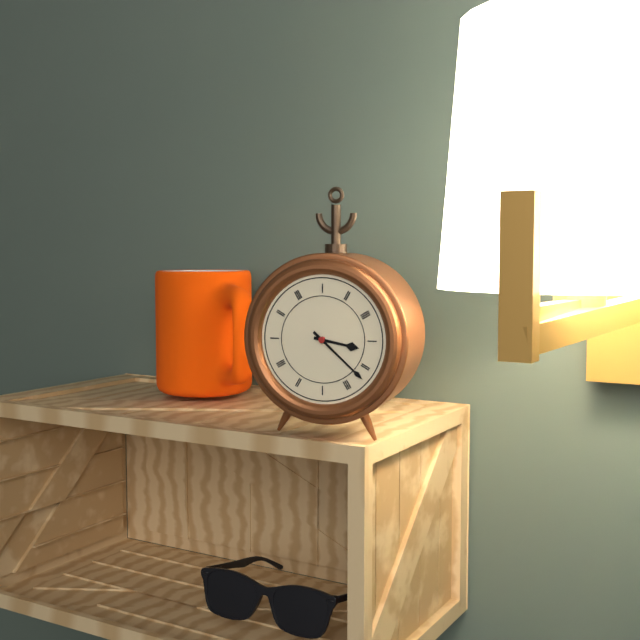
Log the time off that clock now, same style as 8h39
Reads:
3h22
